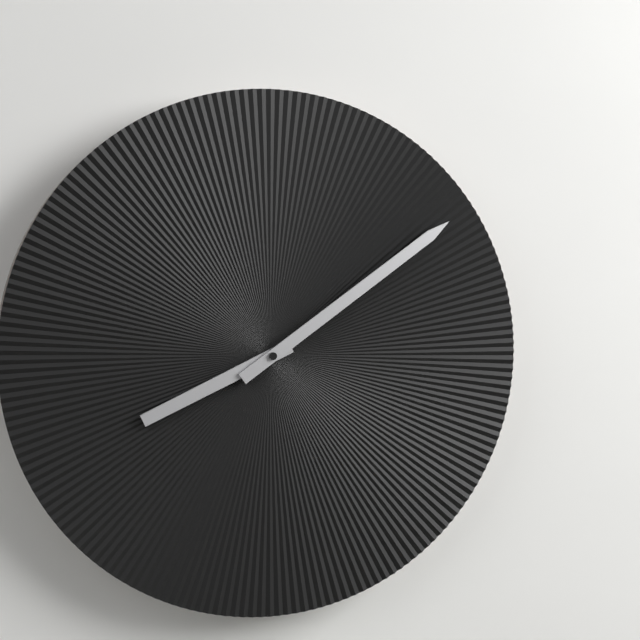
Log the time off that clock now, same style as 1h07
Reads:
8h09
